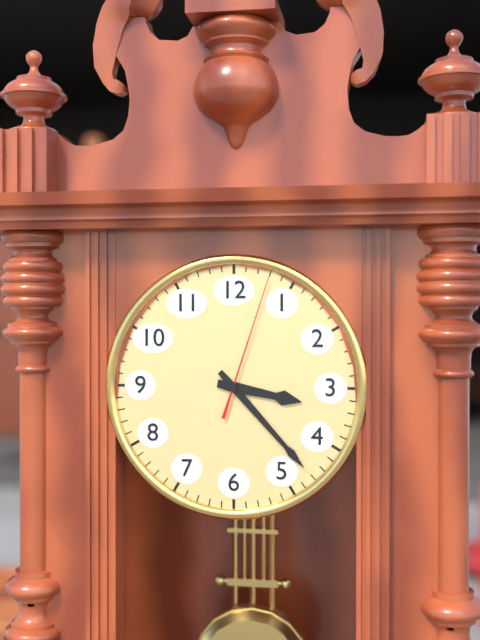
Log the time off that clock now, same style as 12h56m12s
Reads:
3h23m03s
